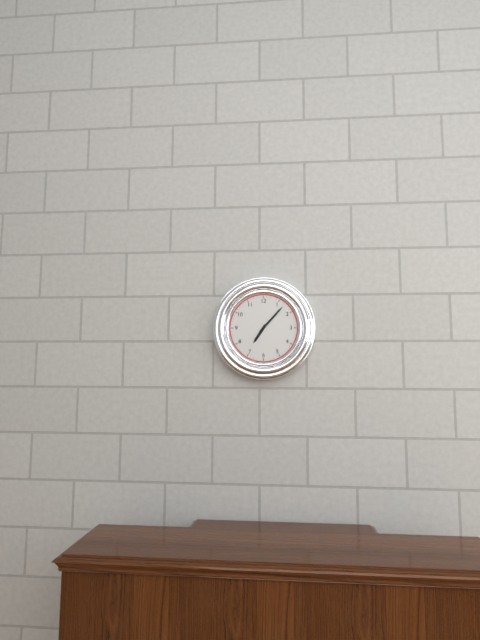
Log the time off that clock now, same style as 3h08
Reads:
7h07
